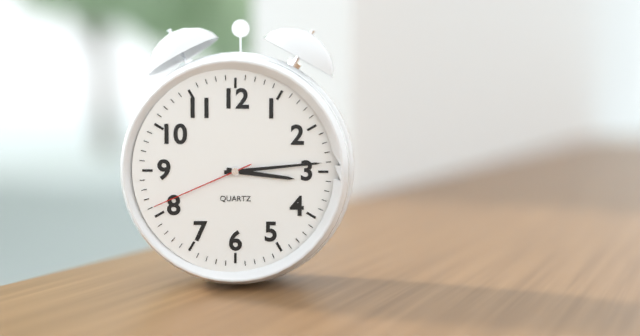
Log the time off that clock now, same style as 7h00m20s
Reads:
3h14m41s
